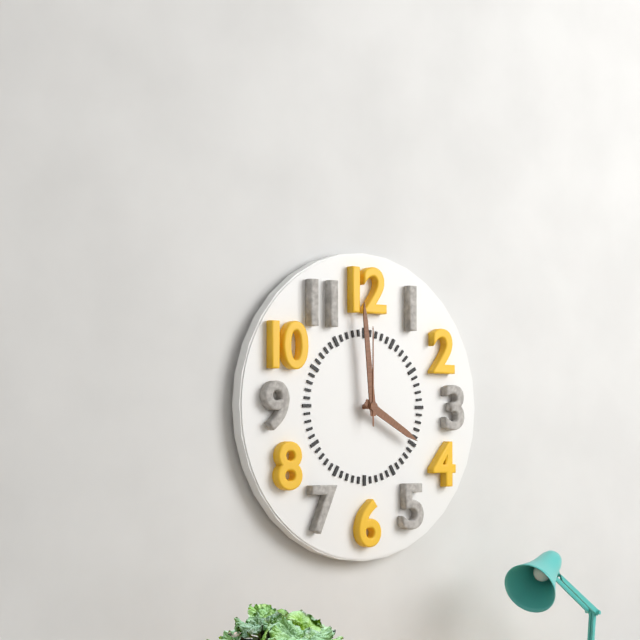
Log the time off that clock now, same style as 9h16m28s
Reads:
3h59m00s
